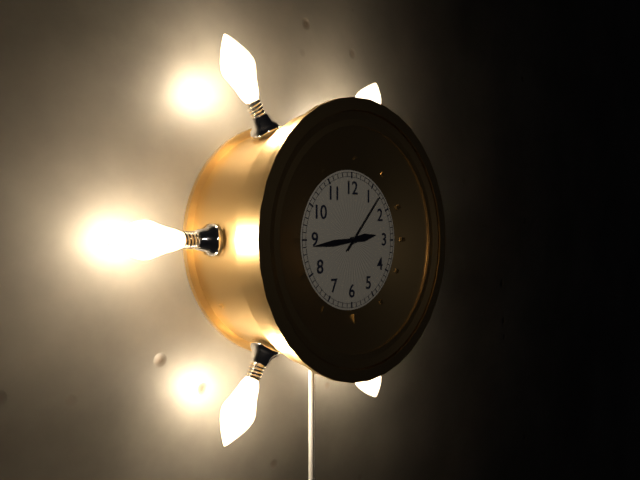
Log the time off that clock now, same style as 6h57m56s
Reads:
2h44m07s
